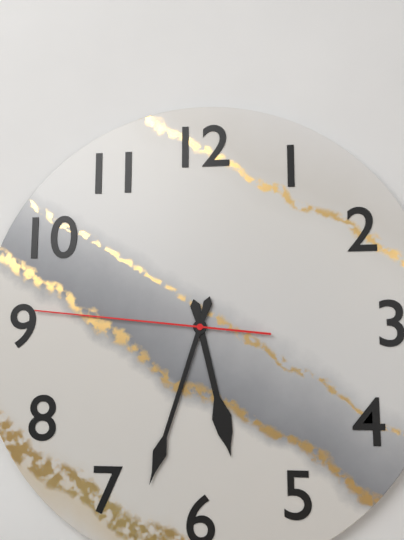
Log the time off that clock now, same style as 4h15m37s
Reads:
5h33m46s
